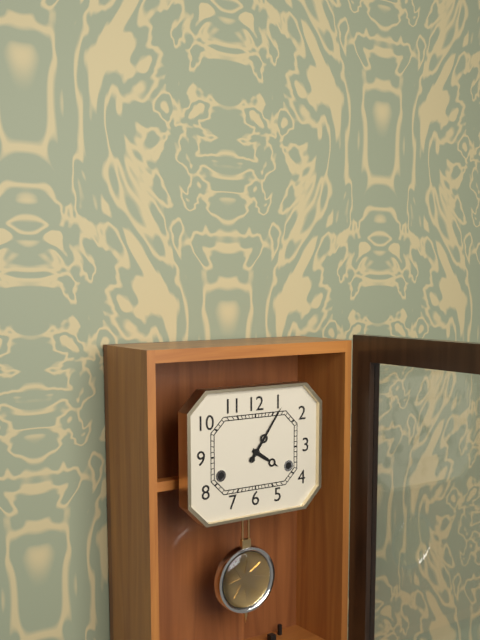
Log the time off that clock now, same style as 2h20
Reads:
4h06
